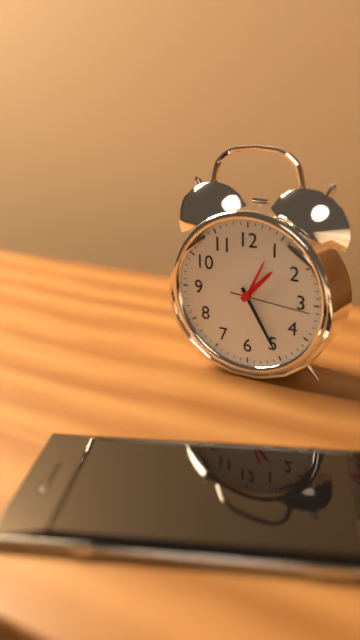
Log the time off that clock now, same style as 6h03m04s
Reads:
1h25m16s
